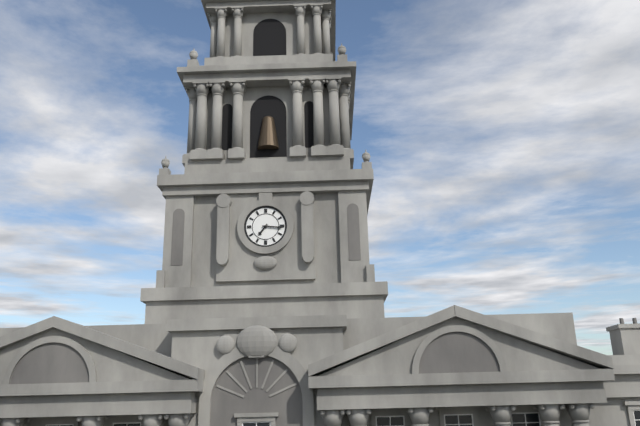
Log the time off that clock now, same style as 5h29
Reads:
7h16
